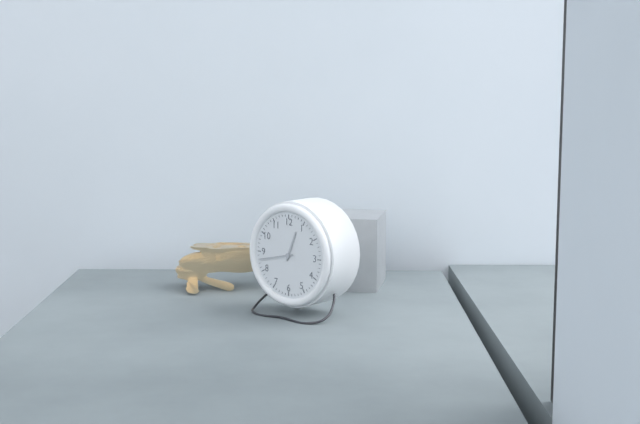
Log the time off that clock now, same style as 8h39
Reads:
12h43
